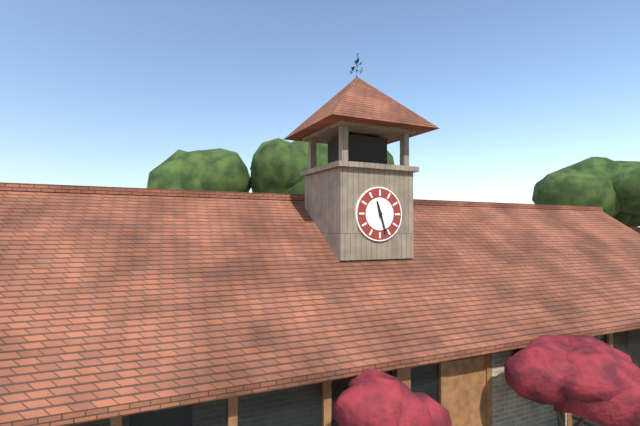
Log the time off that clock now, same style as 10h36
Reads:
11h27
